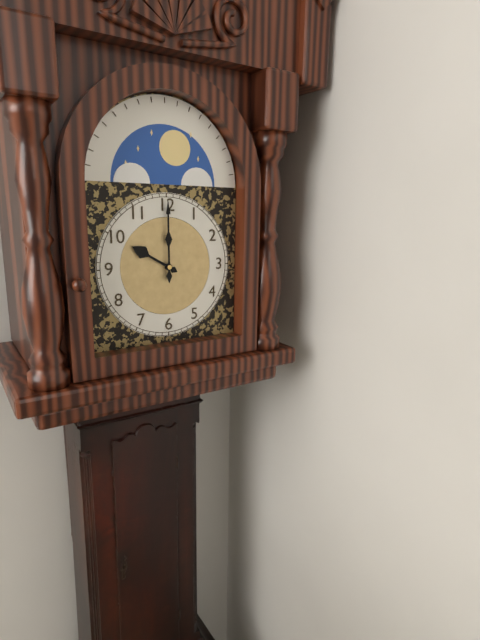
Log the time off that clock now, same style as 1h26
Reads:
10h00
